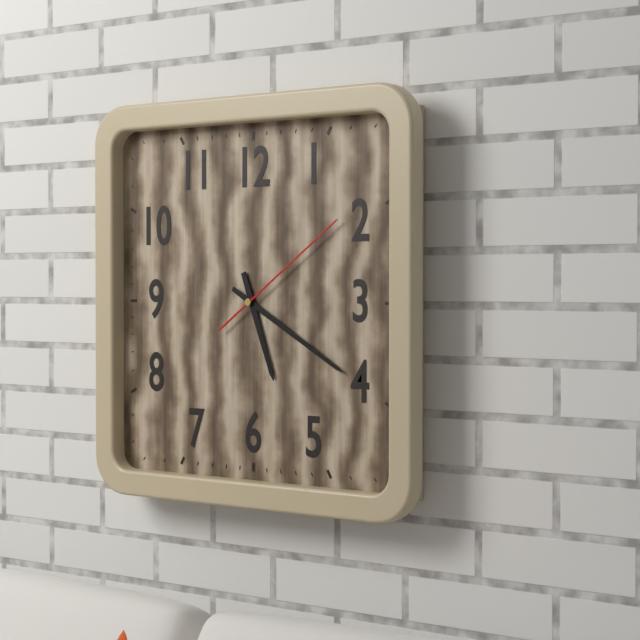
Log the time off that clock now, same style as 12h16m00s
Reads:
5h20m09s
